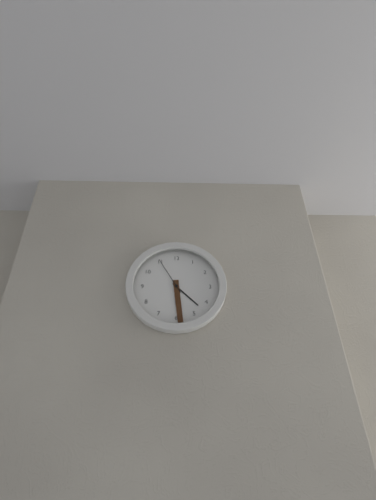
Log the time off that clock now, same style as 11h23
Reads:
4h29
